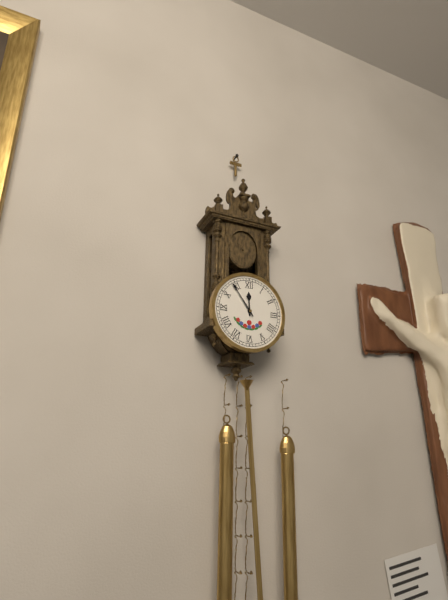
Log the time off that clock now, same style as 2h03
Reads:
11h54
